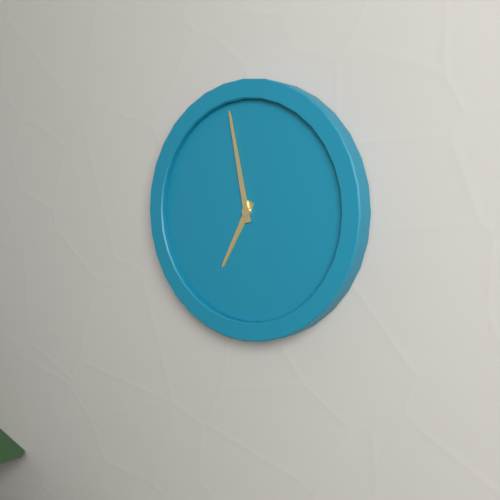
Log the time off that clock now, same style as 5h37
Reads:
6h58
